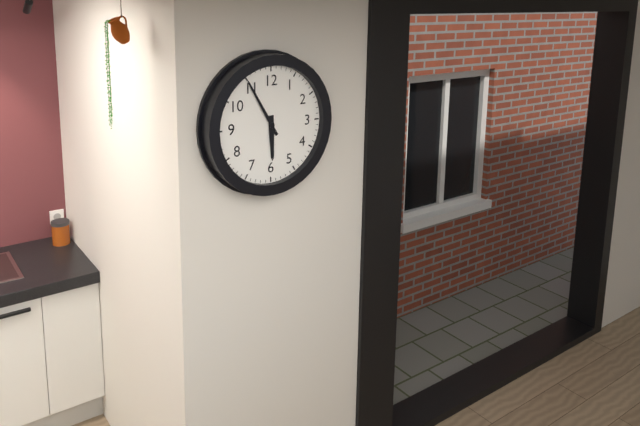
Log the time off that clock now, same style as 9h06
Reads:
5h55
